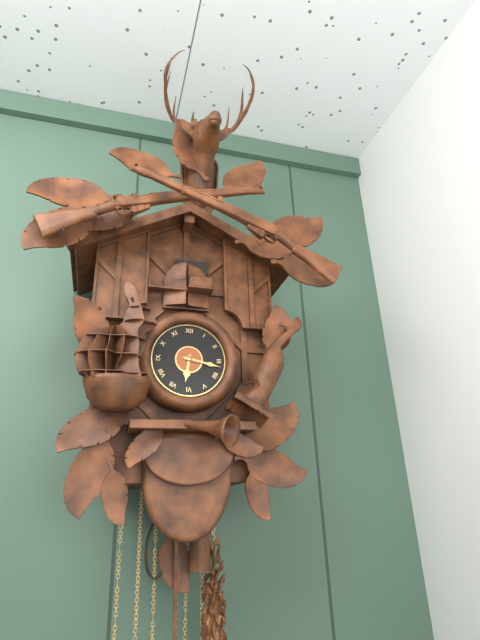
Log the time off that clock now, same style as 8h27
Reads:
6h17
